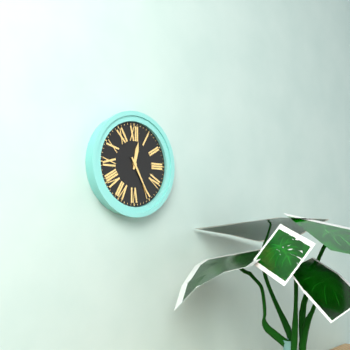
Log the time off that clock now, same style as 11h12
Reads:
12h25
